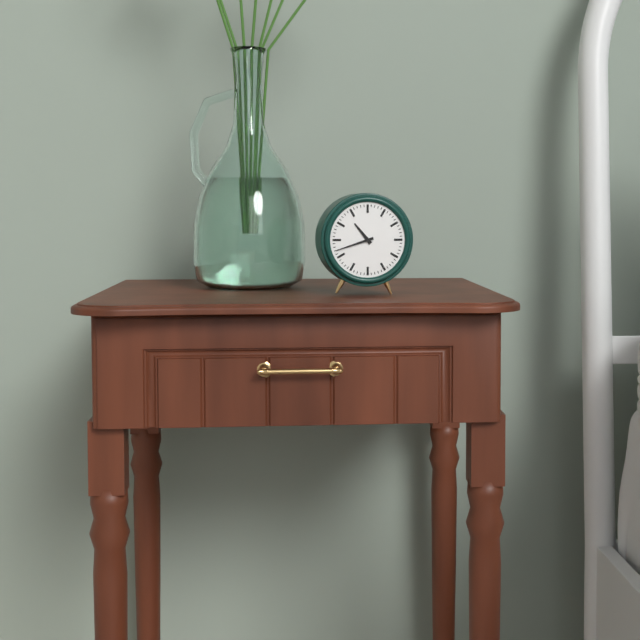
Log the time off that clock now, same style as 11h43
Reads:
10h42
